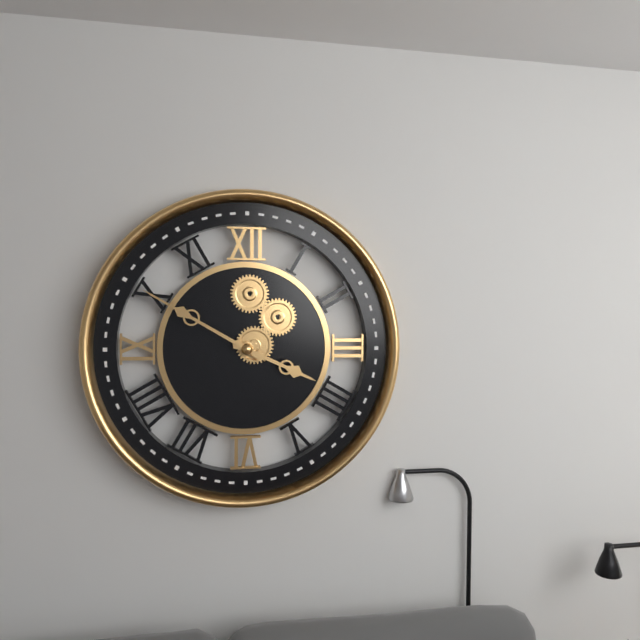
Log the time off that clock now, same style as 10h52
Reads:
3h50
